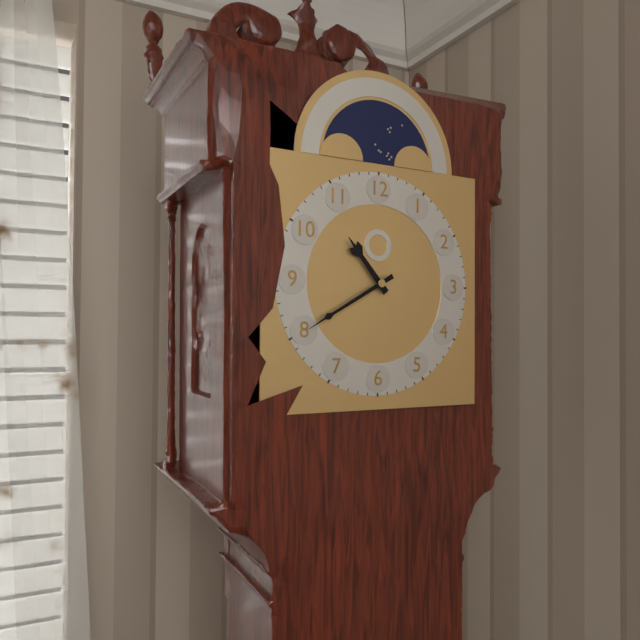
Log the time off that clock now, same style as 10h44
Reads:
10h40
